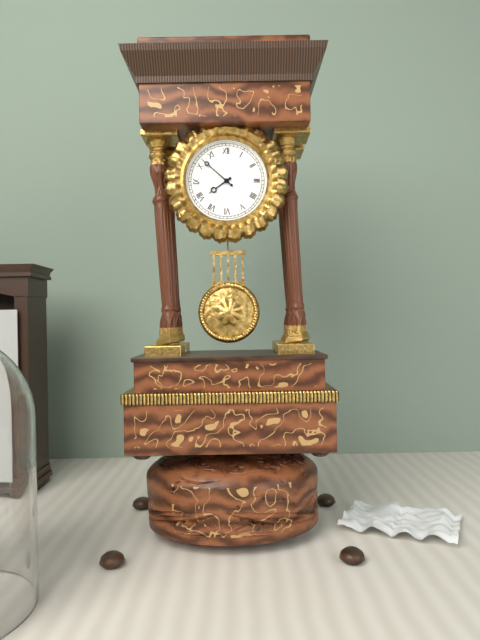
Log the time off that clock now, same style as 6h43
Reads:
7h52
